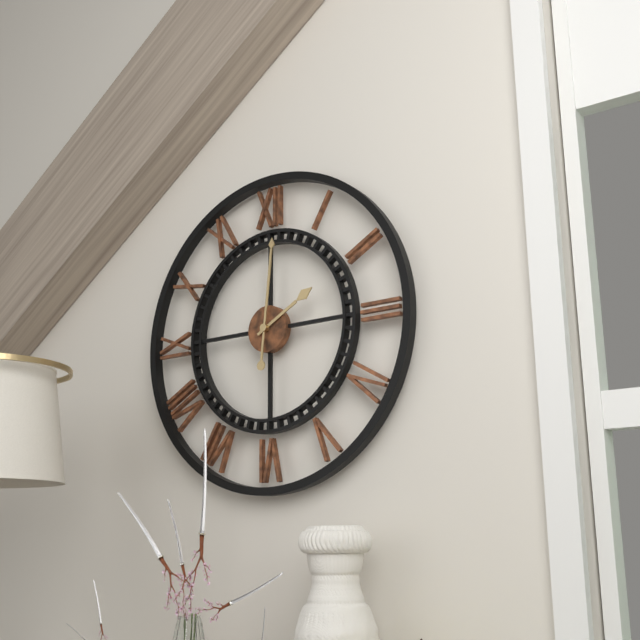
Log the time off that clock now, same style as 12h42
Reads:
2h01
